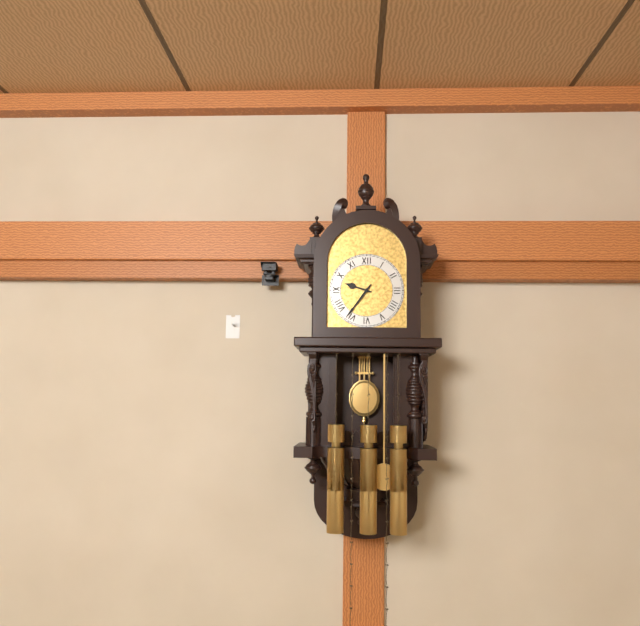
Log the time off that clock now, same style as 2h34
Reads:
9h36
